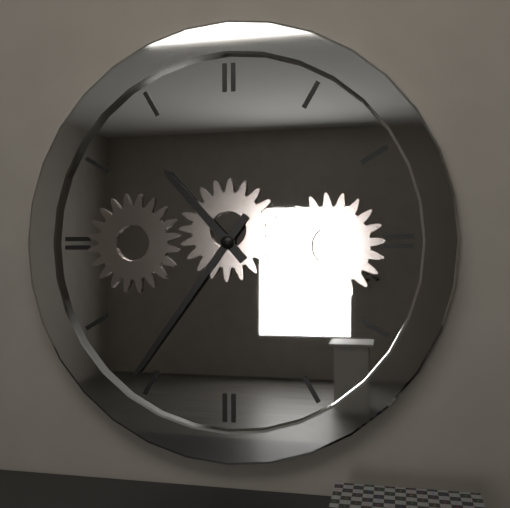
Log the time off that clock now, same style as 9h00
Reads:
10h36
